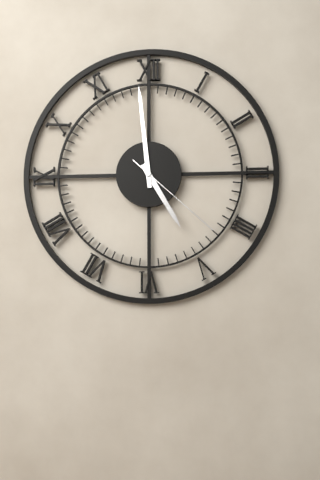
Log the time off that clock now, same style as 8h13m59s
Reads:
4h59m22s
